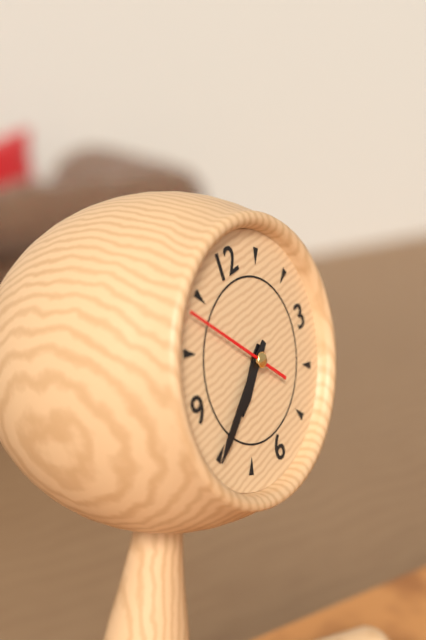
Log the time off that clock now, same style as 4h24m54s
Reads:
7h40m53s
